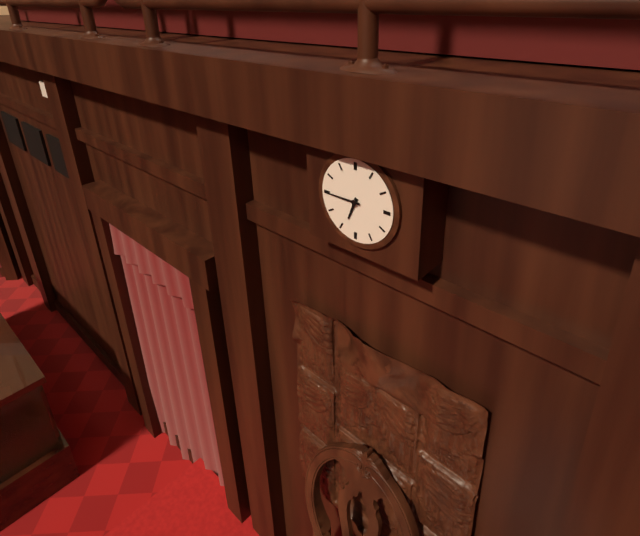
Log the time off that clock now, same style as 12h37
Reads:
6h45
